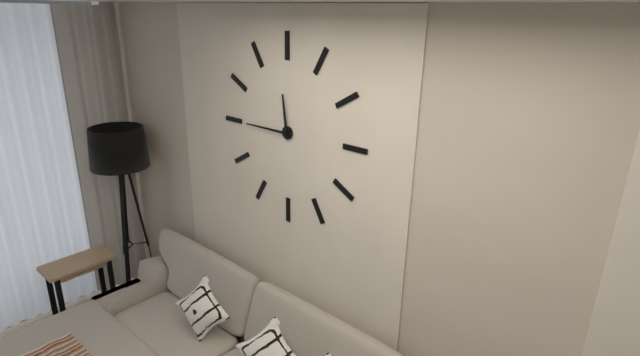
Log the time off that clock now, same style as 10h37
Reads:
11h45
